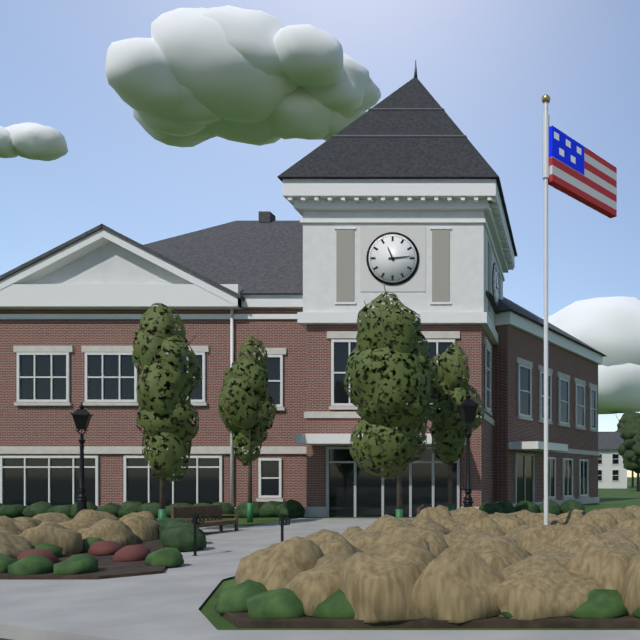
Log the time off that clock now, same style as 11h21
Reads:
11h14
